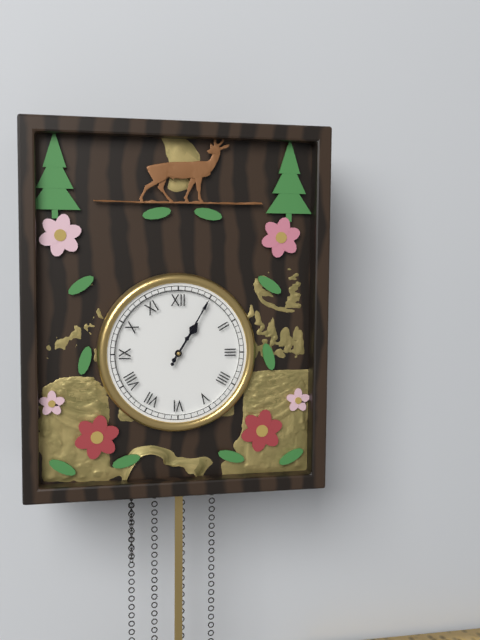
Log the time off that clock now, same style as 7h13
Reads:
1h05
